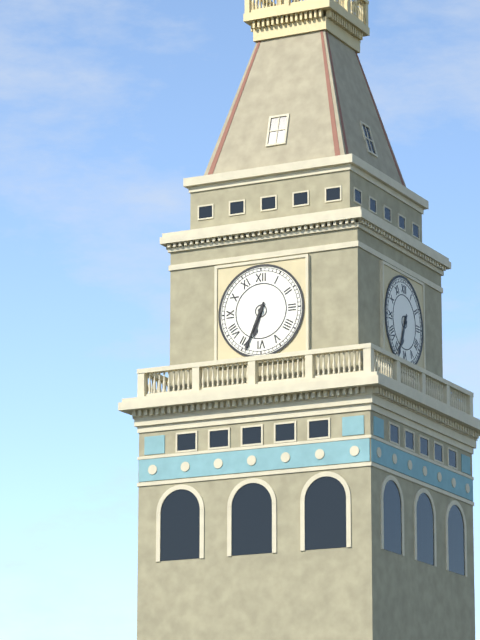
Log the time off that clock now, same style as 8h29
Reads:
6h34
